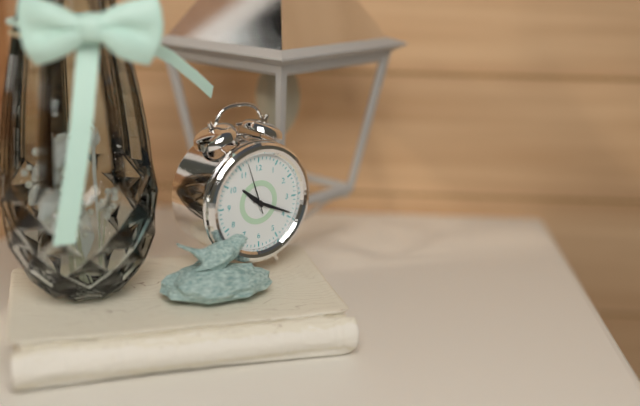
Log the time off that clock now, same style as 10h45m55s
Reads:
10h19m57s
